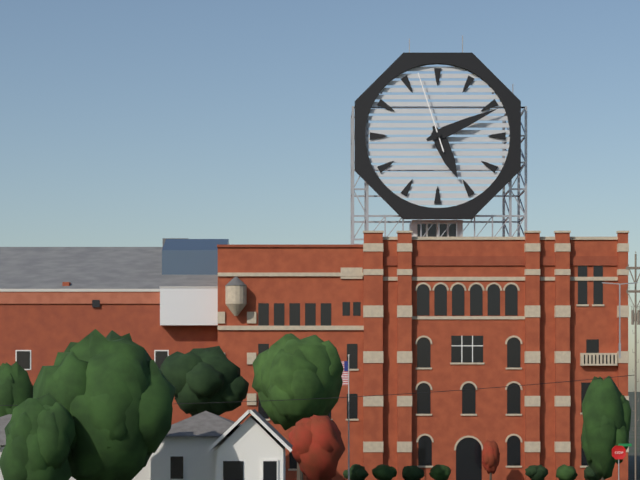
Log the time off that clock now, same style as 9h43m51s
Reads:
5h11m57s
